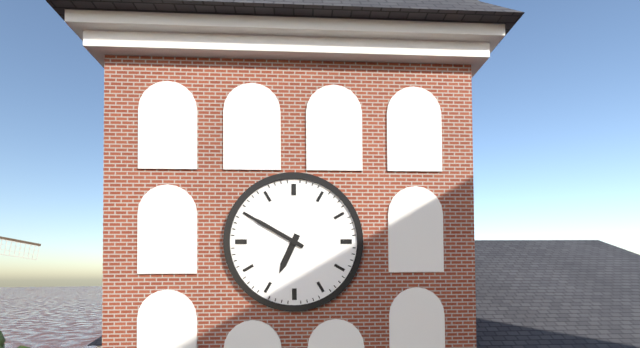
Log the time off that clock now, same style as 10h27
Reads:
6h50
